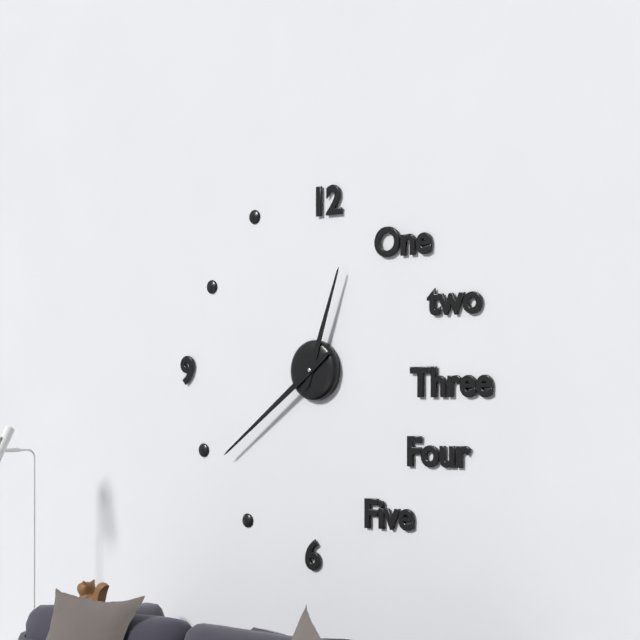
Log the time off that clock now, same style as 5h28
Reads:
12h39
